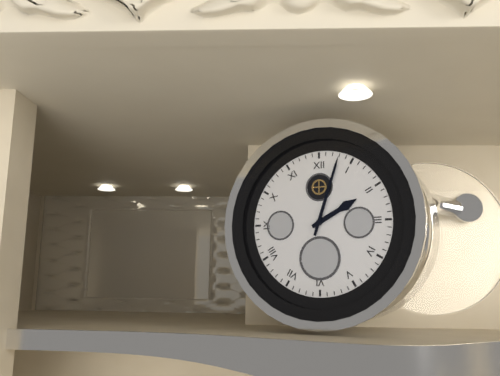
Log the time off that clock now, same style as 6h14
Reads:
2h03
